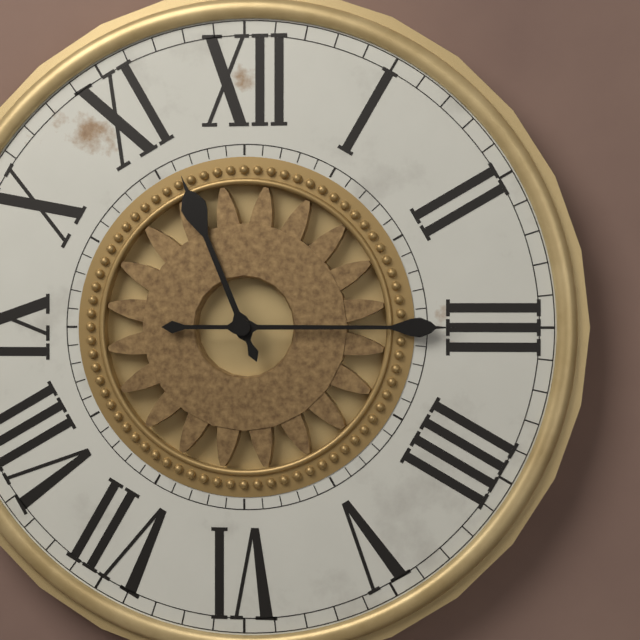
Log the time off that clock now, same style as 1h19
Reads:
11h15
